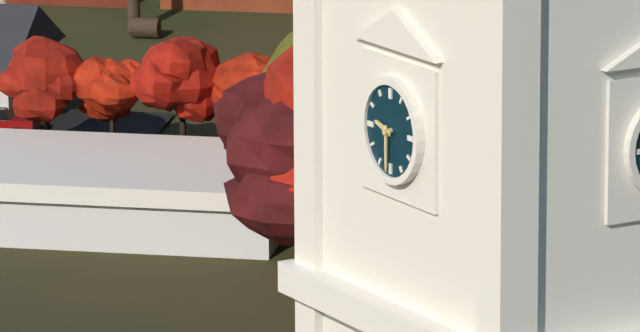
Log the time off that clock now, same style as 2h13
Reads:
9h30
